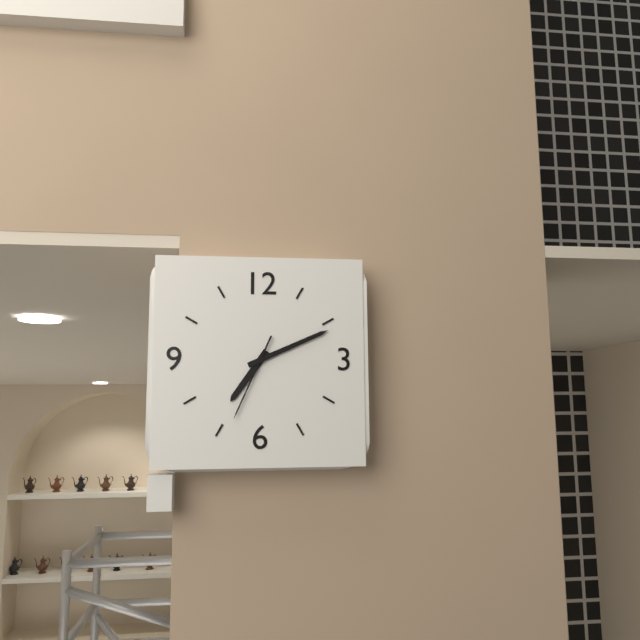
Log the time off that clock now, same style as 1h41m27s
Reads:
7h11m34s
